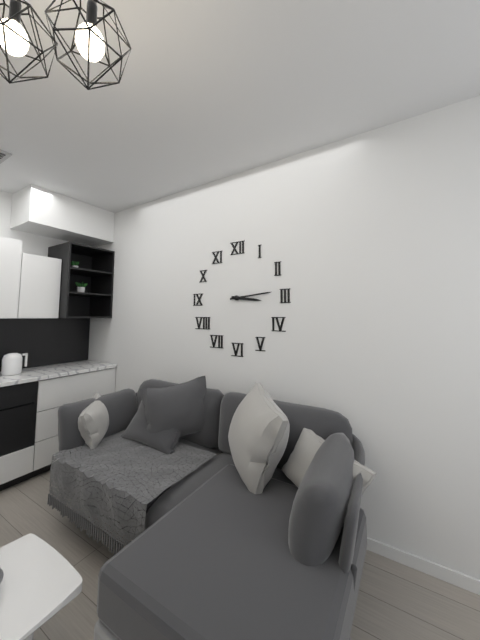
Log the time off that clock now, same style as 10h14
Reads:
3h14
